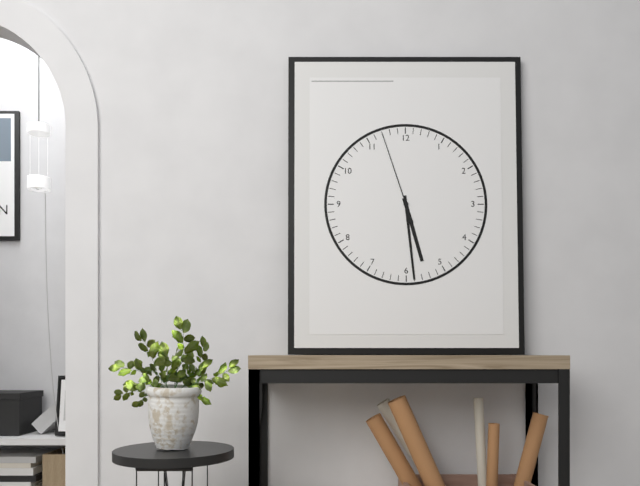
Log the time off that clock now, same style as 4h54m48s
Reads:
5h29m57s
